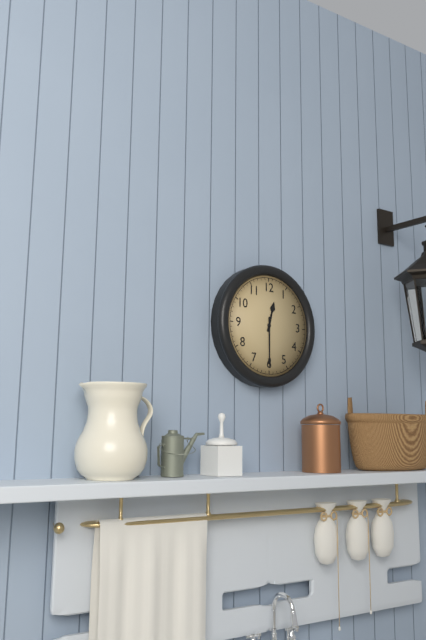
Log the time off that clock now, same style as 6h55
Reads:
12h30
